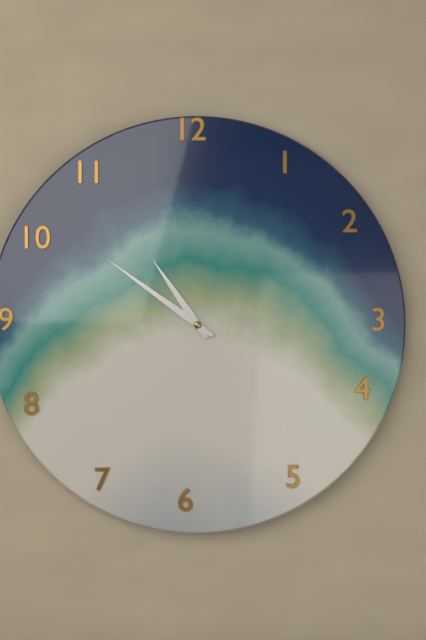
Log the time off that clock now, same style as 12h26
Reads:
10h51
